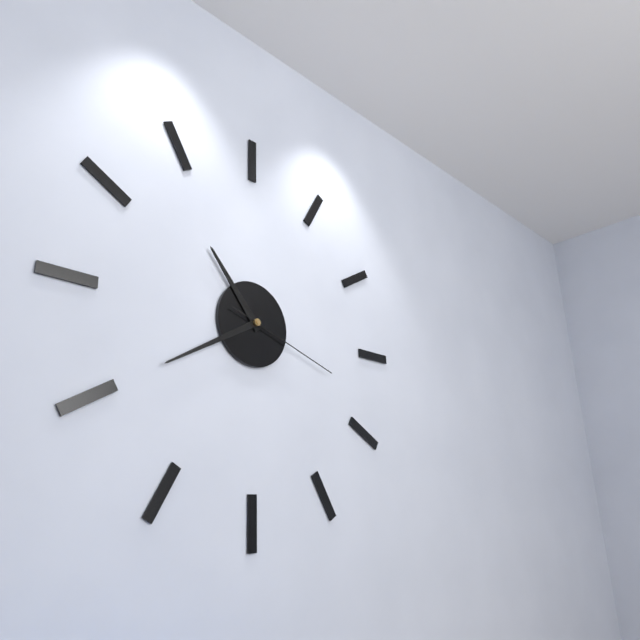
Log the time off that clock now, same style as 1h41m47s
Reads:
10h40m18s
